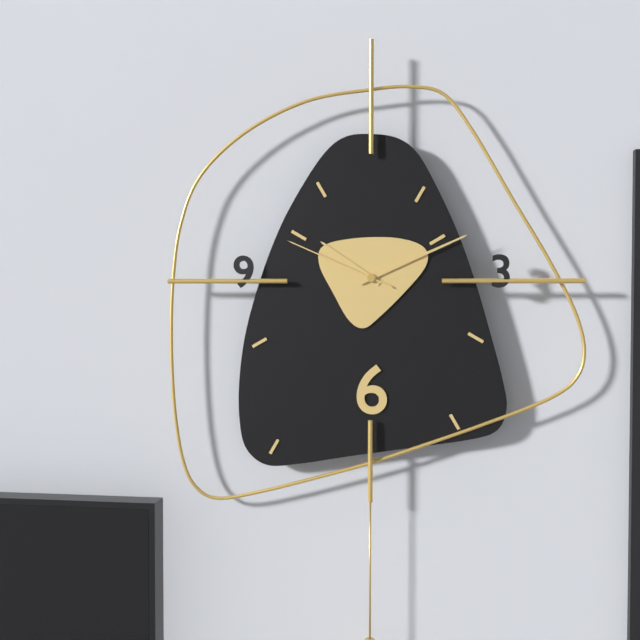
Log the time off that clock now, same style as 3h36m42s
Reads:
10h11m49s
